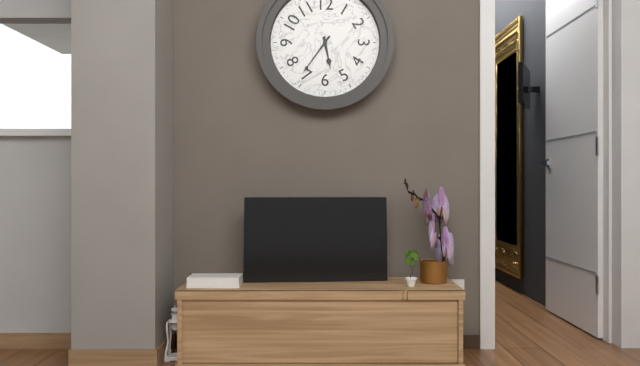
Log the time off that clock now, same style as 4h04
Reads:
5h36
